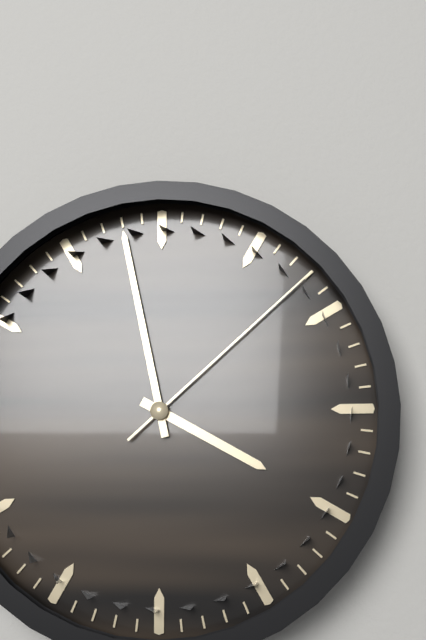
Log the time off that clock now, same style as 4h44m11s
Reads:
3h58m08s
